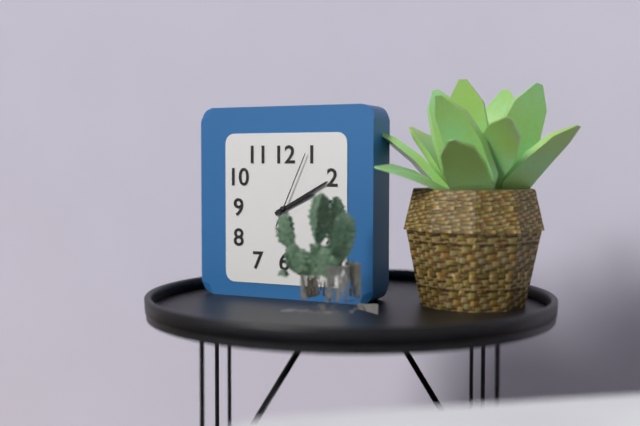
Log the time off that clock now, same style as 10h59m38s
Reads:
2h10m04s
